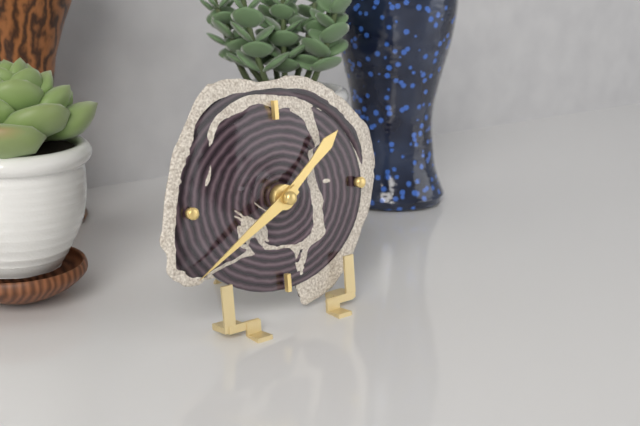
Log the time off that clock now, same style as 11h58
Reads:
1h40
